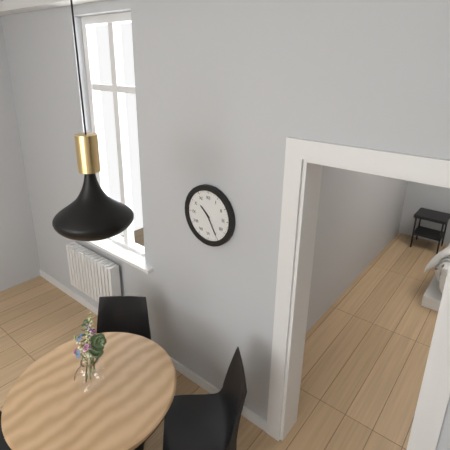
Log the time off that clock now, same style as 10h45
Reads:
10h25
